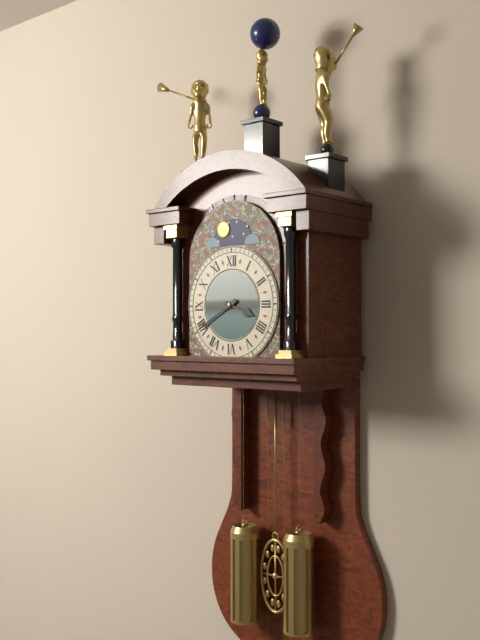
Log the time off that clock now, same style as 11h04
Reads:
3h40
